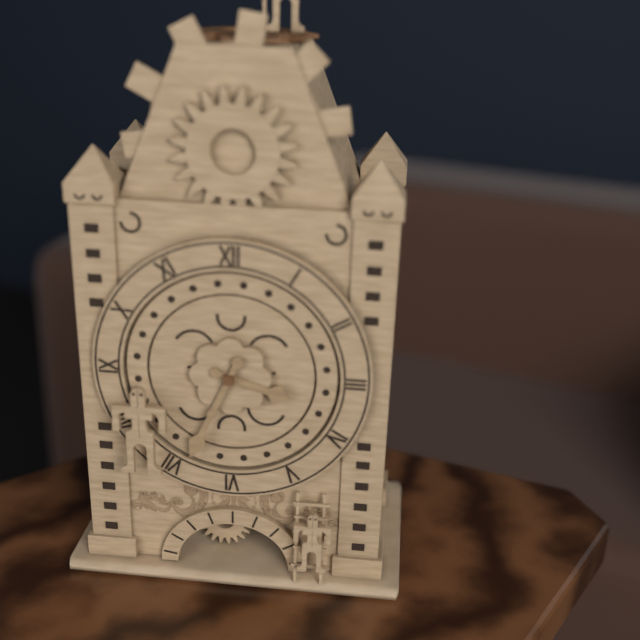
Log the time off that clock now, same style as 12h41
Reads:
3h34
